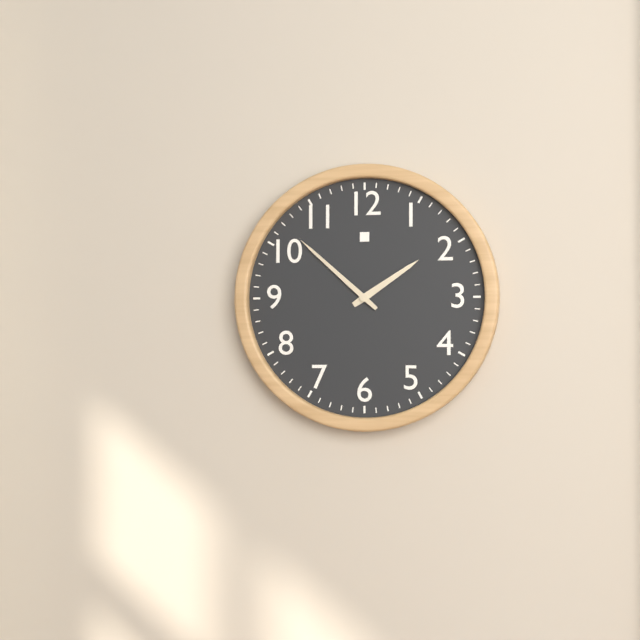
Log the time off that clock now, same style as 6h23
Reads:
1h52
